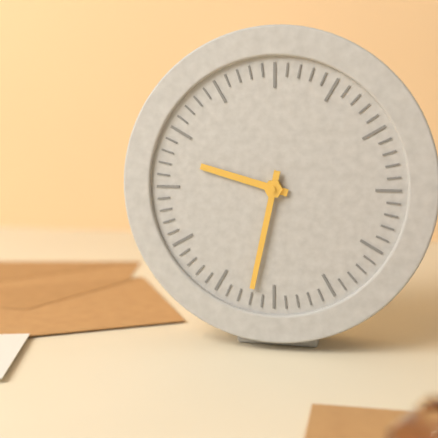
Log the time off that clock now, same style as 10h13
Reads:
9h32
